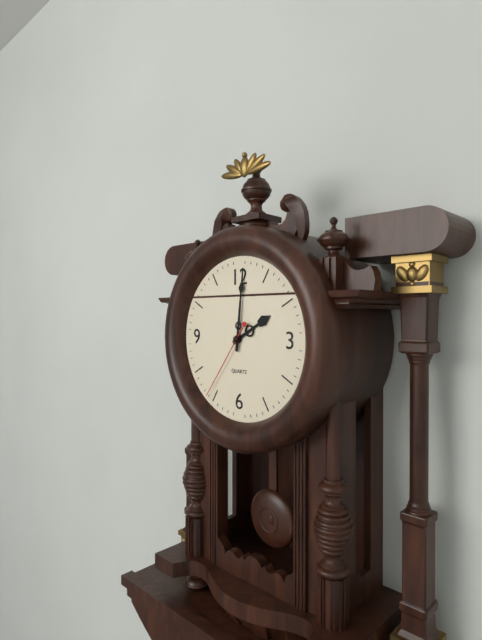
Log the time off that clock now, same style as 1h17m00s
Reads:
2h01m36s
